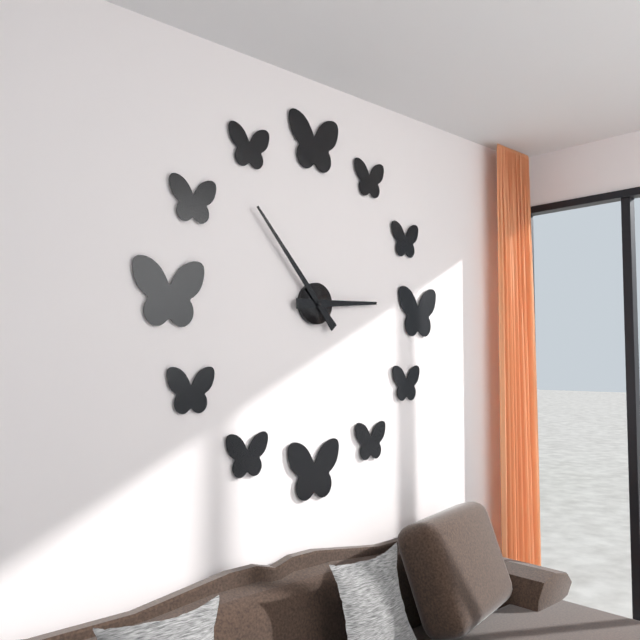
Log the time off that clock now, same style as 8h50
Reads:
2h53
